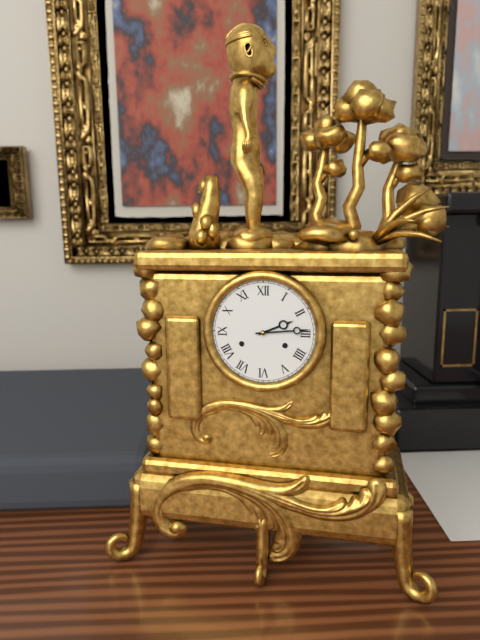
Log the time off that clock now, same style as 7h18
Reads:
2h14
